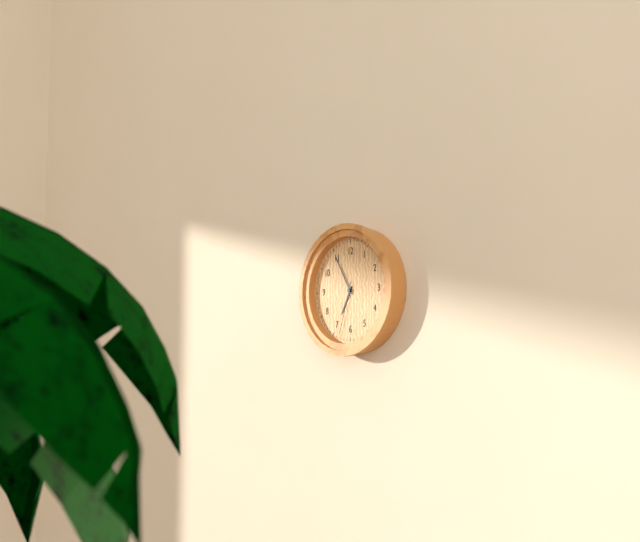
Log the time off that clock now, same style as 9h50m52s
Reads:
6h55m33s
